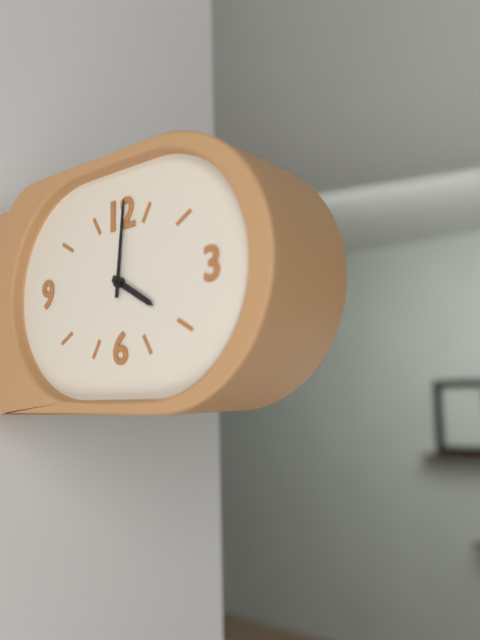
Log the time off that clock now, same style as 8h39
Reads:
4h01
